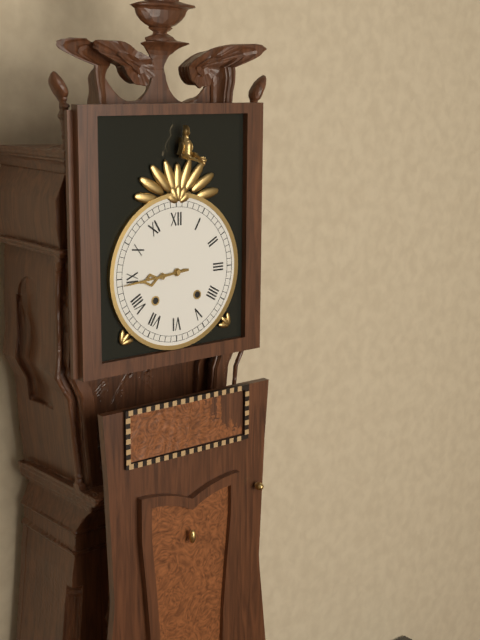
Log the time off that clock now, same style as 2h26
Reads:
8h44
